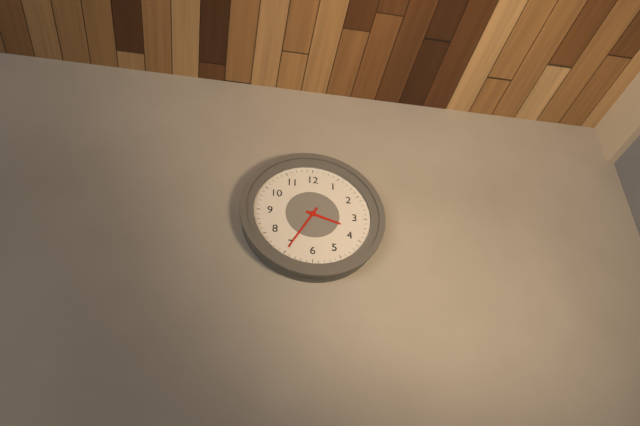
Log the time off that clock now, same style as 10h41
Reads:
3h35
